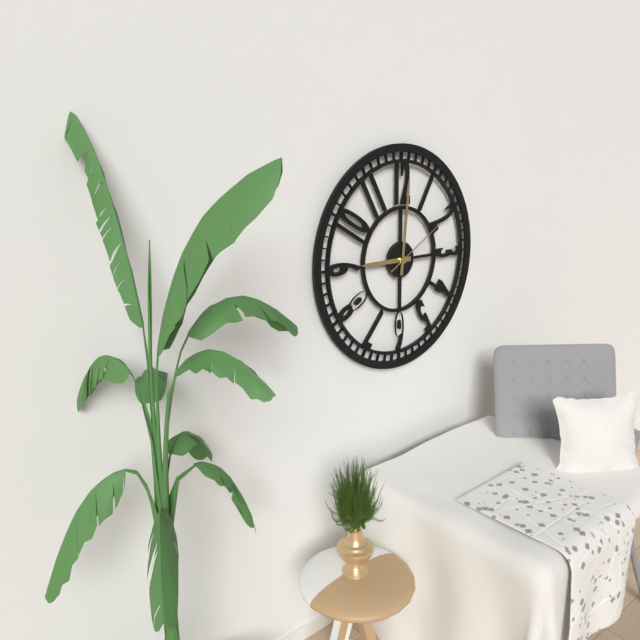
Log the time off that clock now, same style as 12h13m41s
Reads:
9h01m10s
